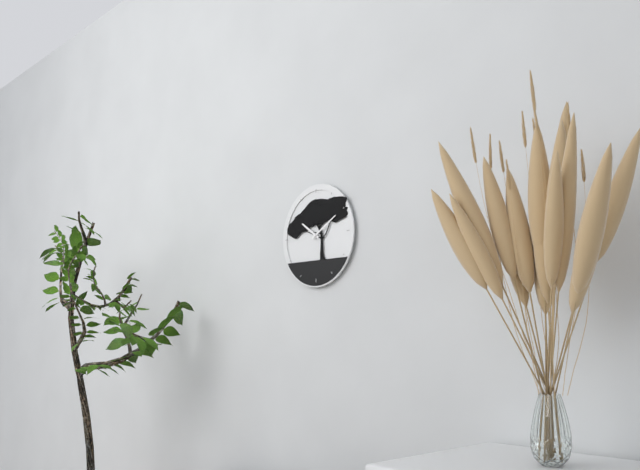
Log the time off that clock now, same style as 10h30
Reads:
10h10
